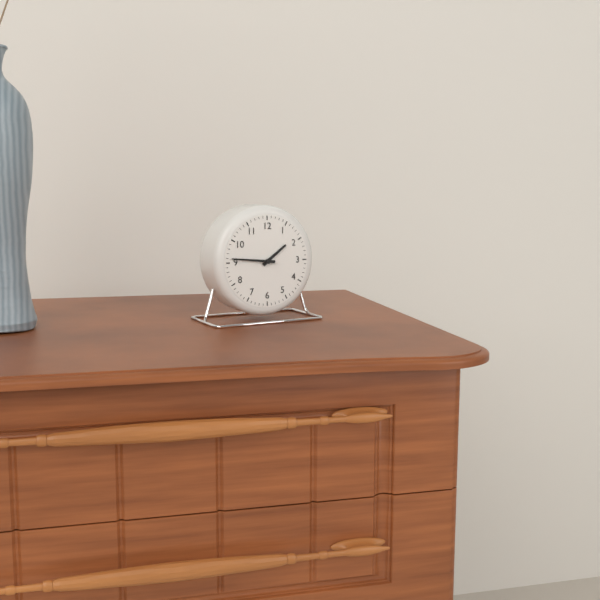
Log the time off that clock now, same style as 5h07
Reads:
1h46
